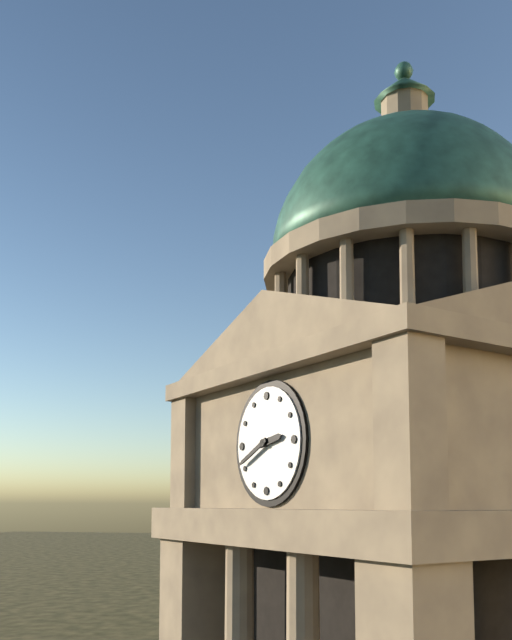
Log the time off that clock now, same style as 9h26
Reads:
2h41
